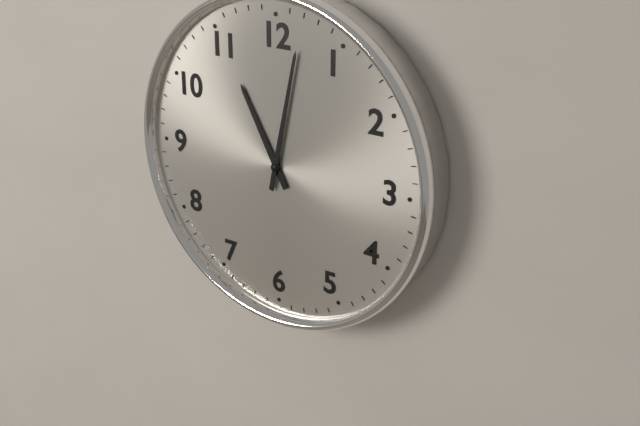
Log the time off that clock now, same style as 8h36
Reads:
11h02
